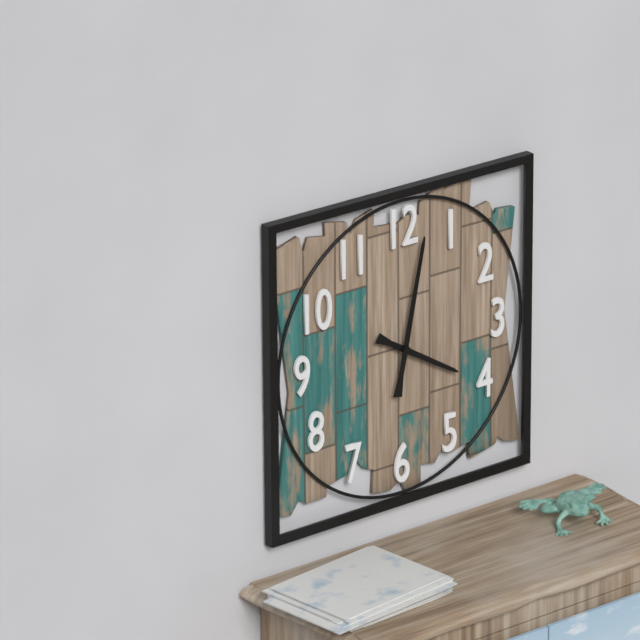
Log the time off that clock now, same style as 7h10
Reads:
4h02
